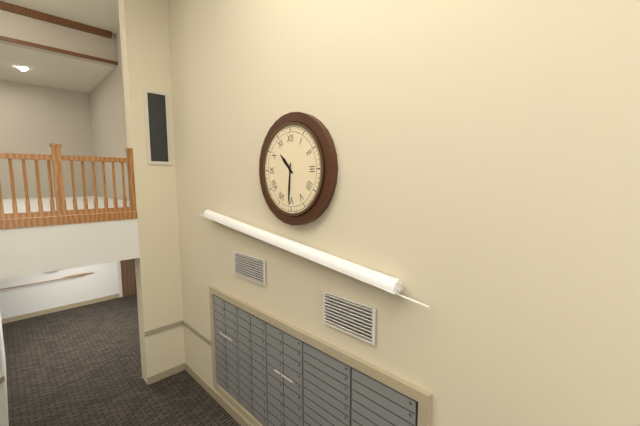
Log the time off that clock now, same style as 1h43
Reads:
10h31
